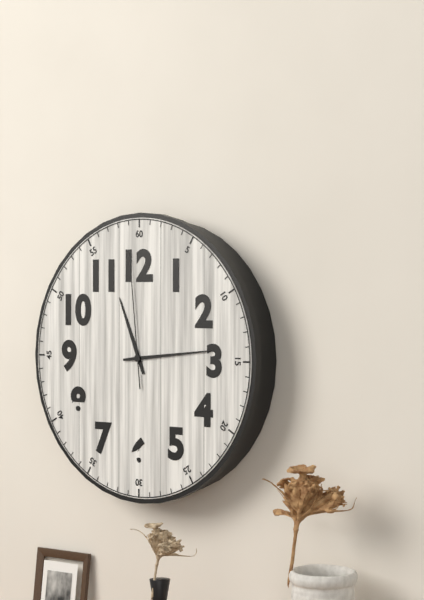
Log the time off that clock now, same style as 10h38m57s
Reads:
11h14m59s
